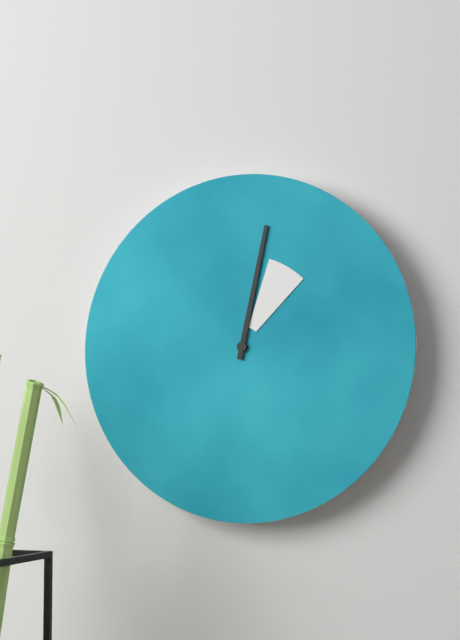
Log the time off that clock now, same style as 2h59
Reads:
1h02
